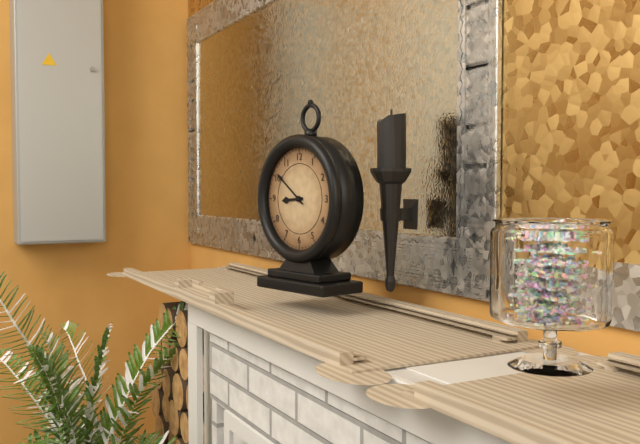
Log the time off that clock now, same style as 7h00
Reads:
8h51
